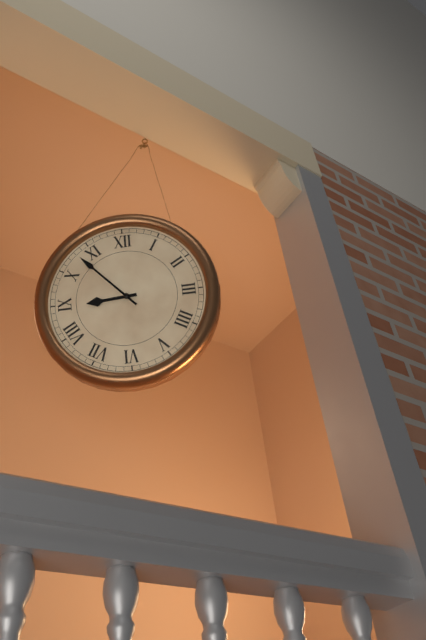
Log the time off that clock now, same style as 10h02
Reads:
8h53
